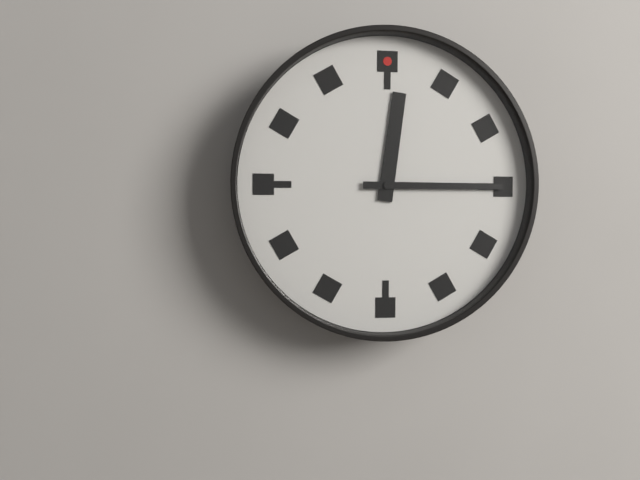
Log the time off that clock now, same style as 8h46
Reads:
12h15
